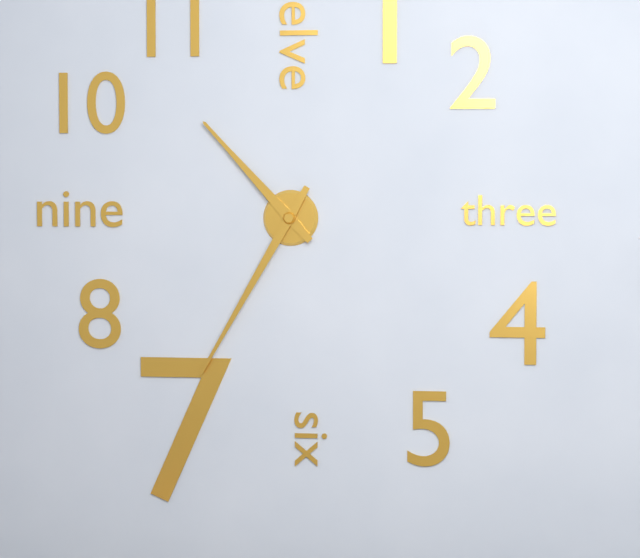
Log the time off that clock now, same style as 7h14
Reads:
10h35
